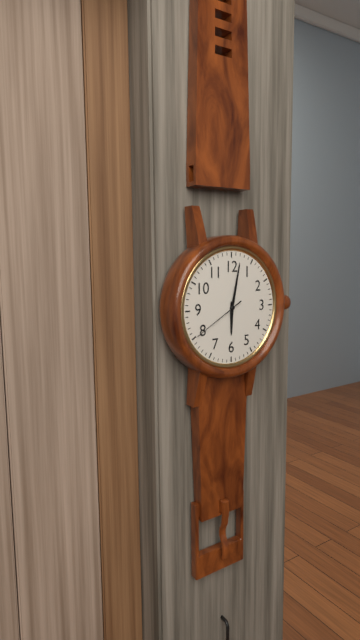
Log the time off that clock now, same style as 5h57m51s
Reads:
6h02m40s
